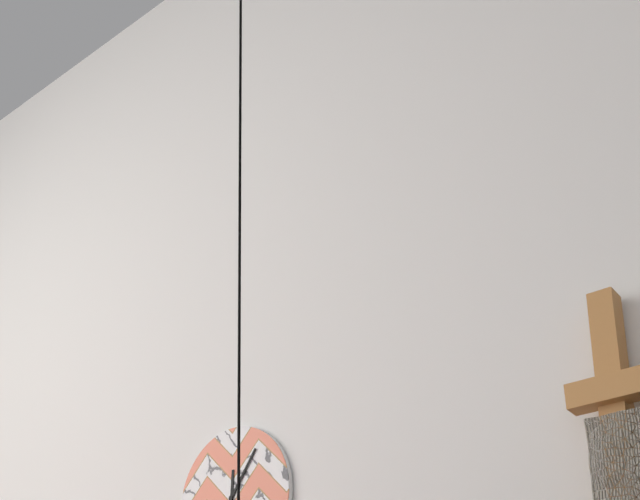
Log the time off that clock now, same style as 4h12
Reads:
12h06
